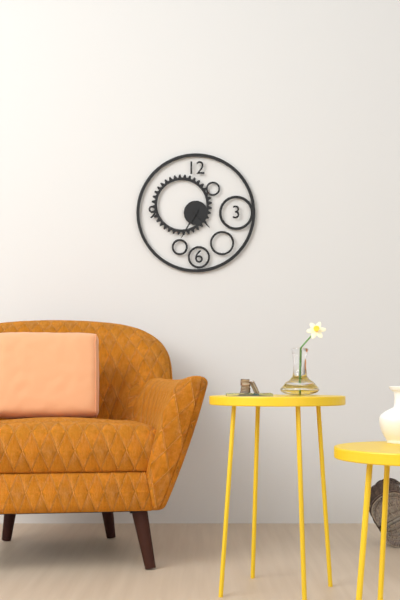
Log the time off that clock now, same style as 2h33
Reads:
4h35
